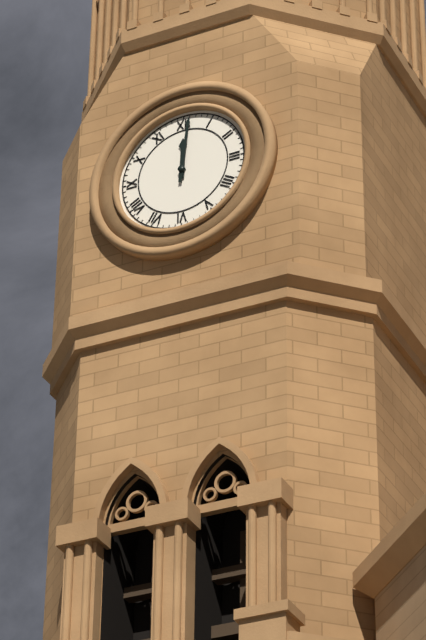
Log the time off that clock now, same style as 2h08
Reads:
12h01
